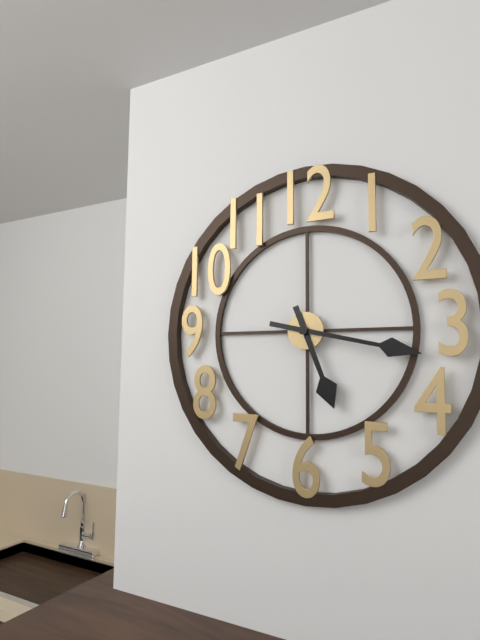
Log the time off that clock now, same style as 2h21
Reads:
5h17
